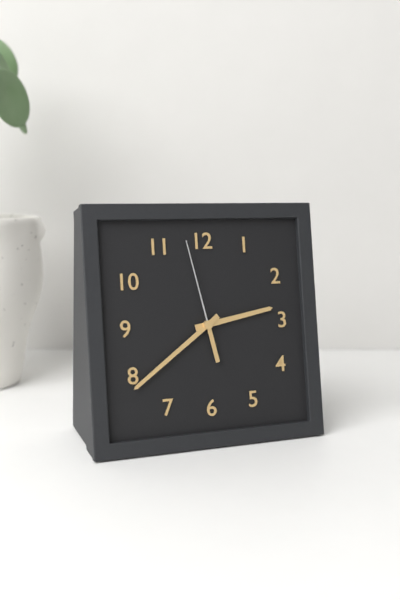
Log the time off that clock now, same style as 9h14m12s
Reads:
2h39m58s
